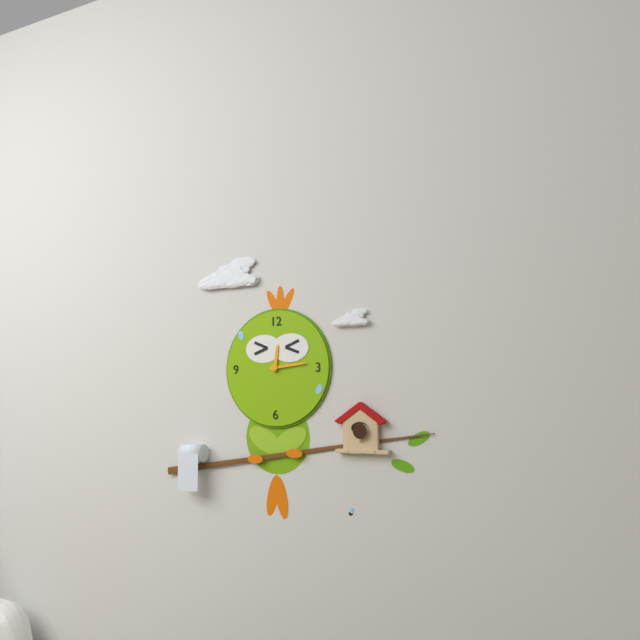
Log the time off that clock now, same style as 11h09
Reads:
12h14
